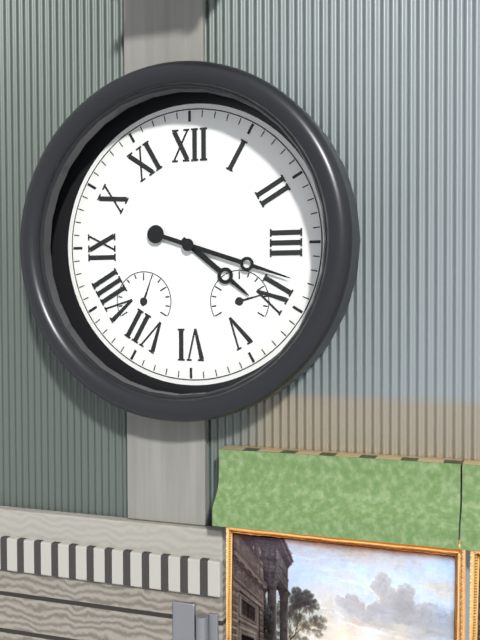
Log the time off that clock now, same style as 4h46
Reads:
4h18
